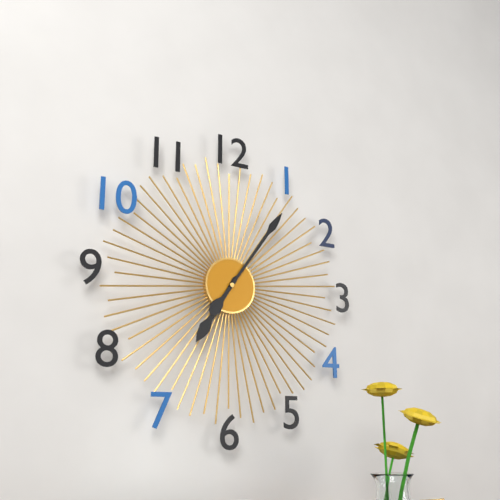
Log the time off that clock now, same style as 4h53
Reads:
7h06
